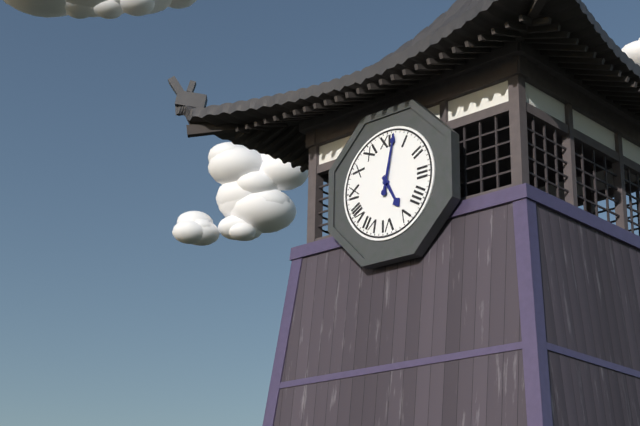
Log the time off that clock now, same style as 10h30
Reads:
5h02
